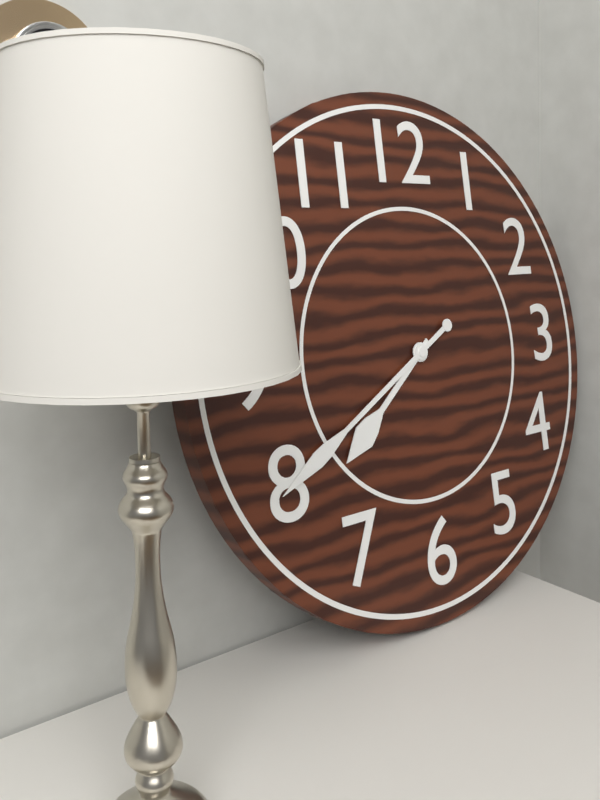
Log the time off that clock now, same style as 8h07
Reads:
7h40
